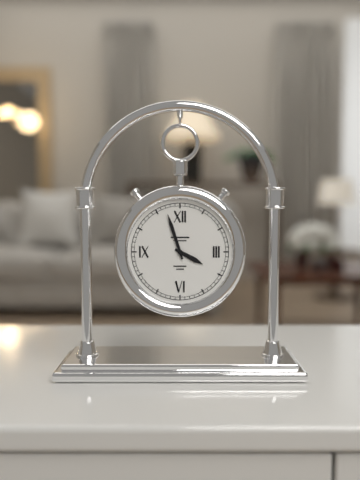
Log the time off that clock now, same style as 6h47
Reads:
3h57
